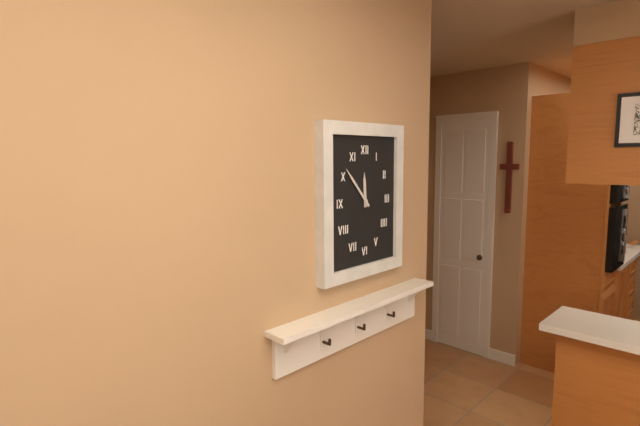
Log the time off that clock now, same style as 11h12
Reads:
11h53
